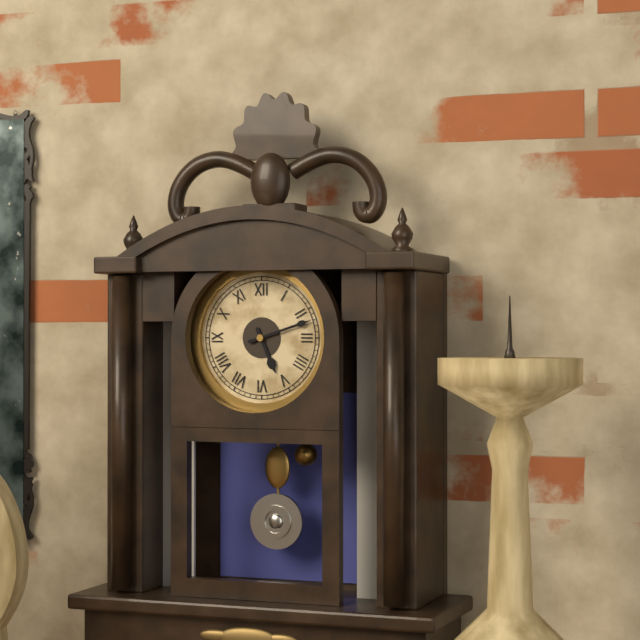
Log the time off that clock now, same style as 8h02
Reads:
5h12
